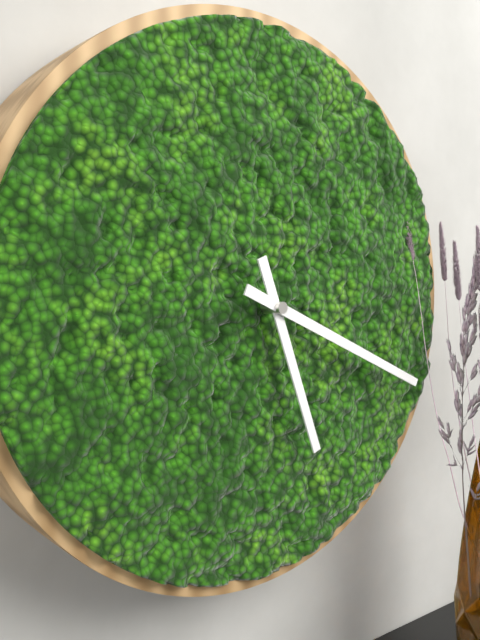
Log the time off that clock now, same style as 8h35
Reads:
5h19
